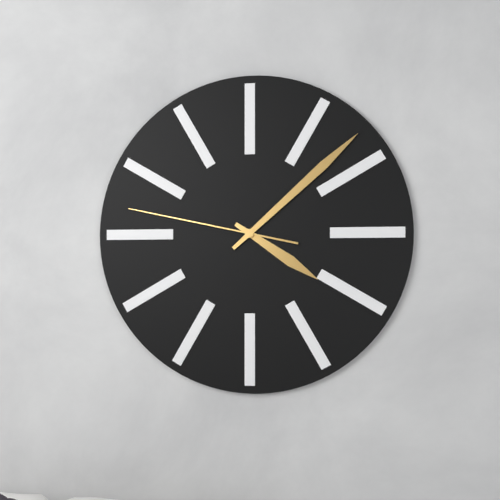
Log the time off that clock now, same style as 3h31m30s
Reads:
4h08m47s
